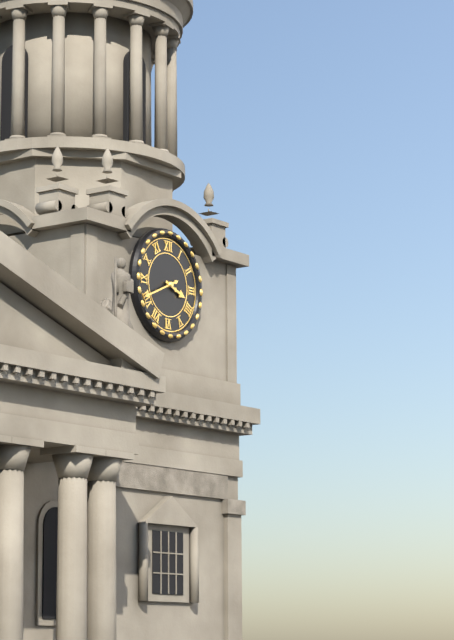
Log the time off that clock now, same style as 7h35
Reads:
3h41
